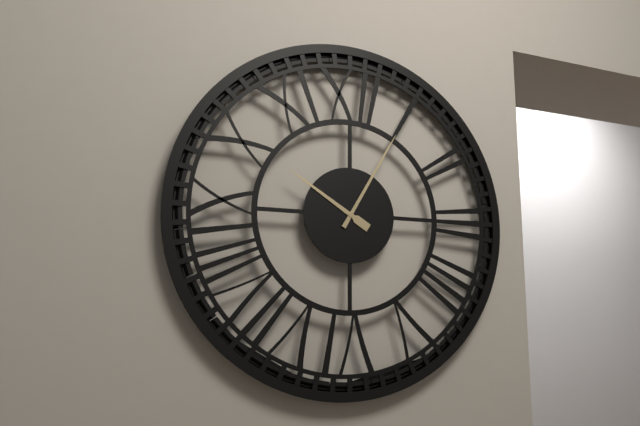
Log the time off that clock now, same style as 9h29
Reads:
10h05
